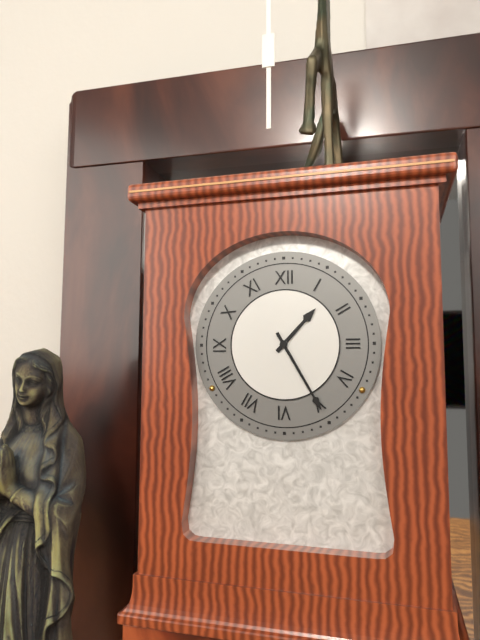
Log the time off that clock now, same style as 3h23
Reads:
1h25
